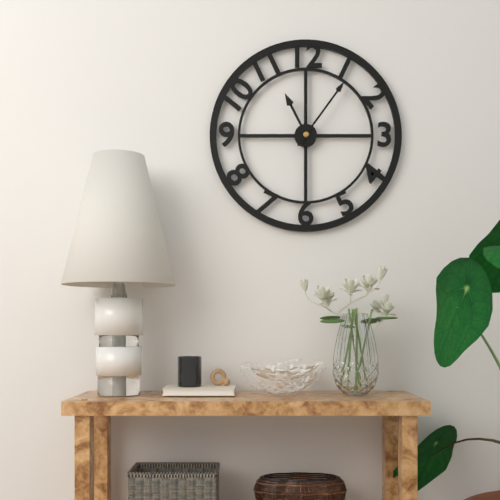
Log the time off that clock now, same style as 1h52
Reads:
11h06
